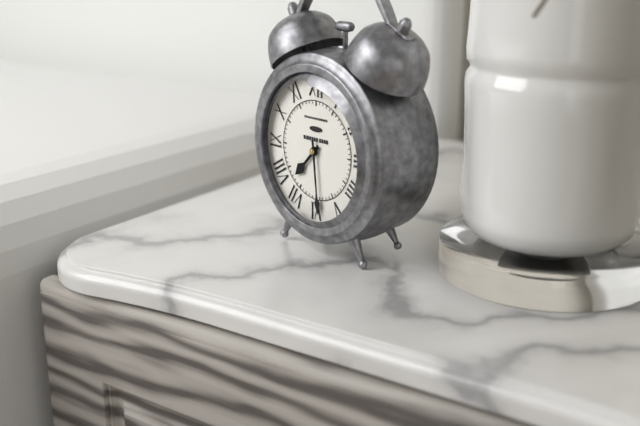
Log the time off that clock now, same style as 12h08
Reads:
7h29
